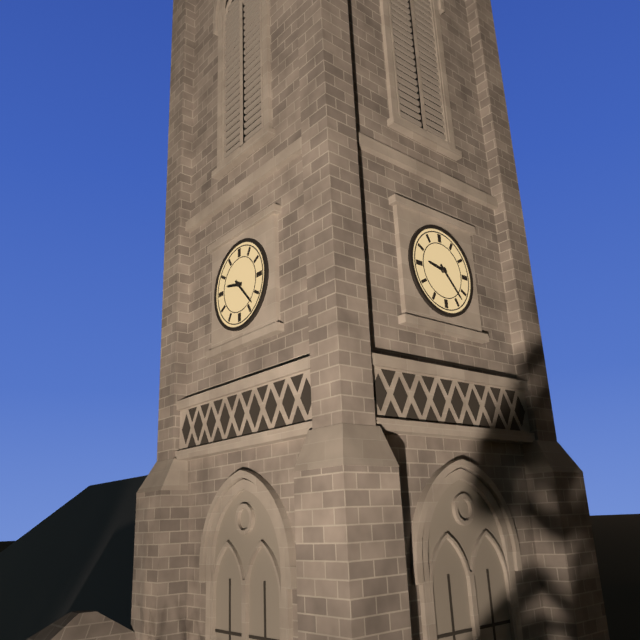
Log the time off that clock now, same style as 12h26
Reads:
9h23
